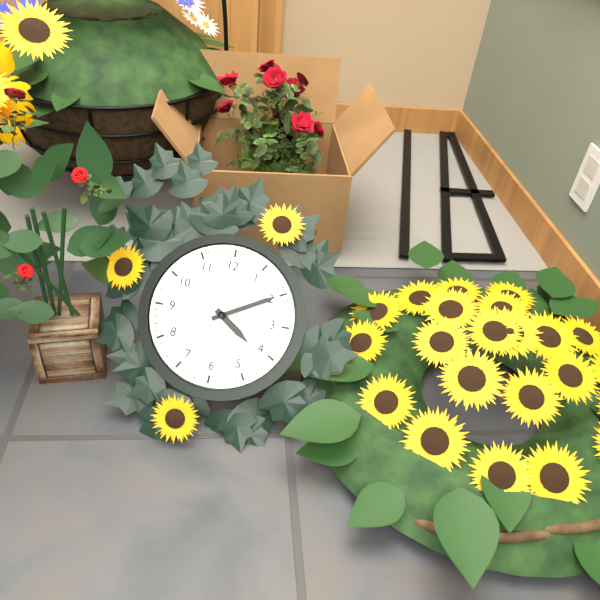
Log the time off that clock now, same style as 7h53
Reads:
4h10
